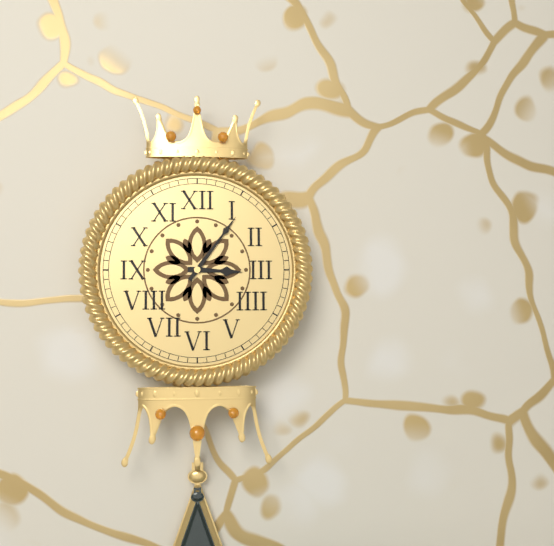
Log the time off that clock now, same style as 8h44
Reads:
3h06
